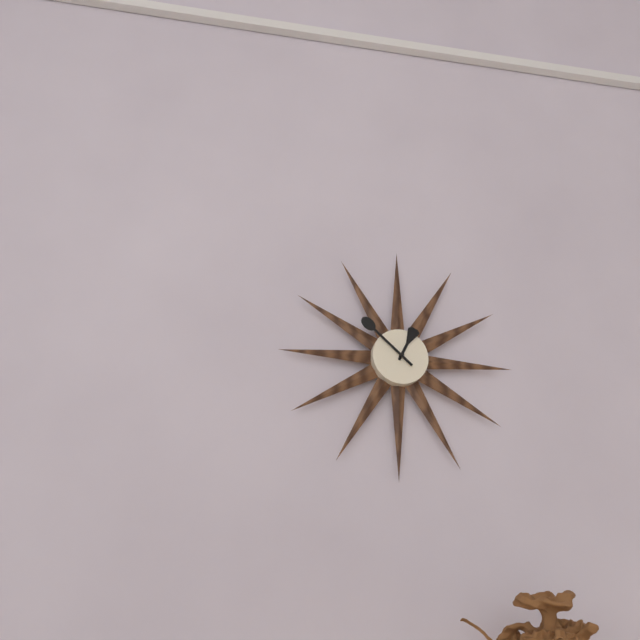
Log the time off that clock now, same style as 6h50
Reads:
12h52
